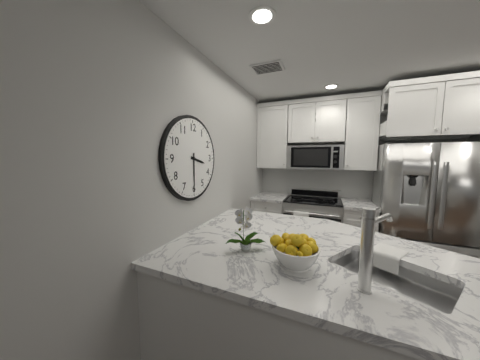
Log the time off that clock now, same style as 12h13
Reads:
3h30
